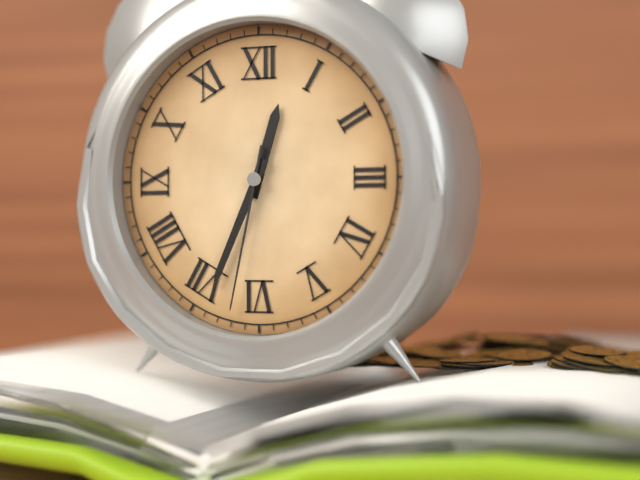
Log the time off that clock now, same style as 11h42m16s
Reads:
12h34m32s
